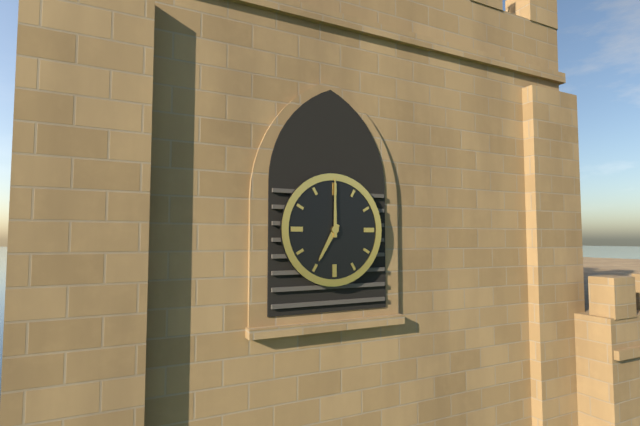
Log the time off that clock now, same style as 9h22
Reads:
7h00
